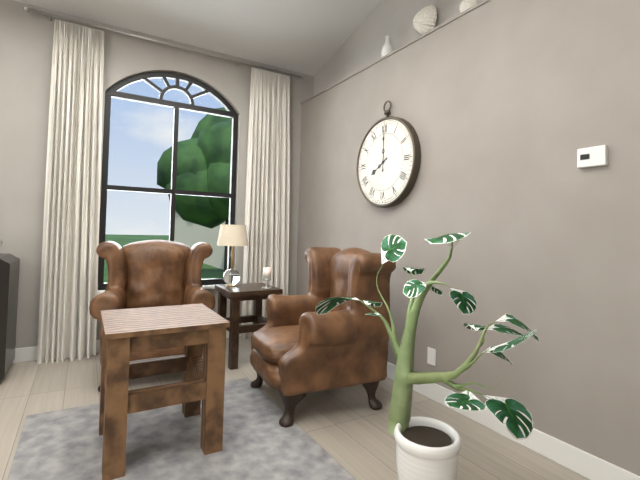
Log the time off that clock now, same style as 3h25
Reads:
8h00
